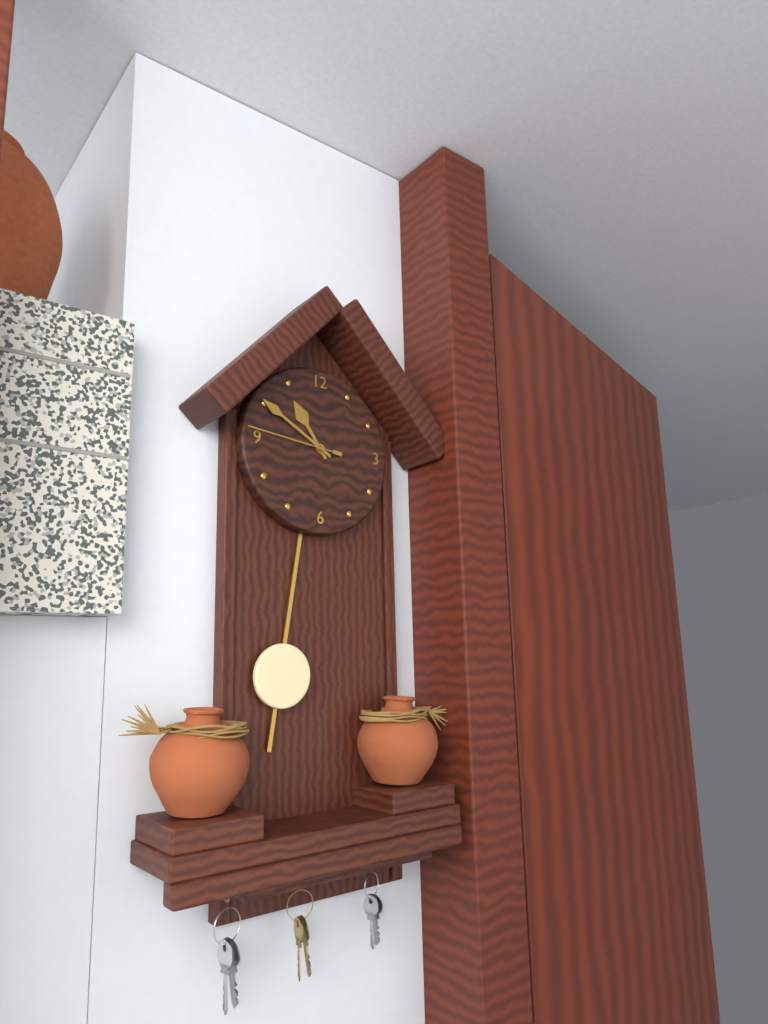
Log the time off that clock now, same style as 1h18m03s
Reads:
10h50m46s
